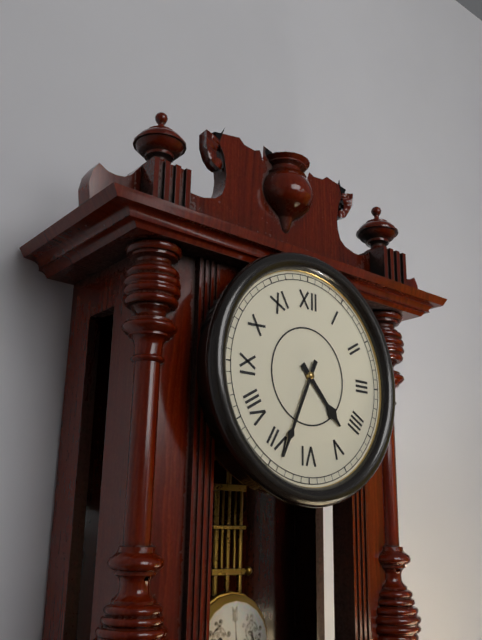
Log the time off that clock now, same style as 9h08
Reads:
4h34
